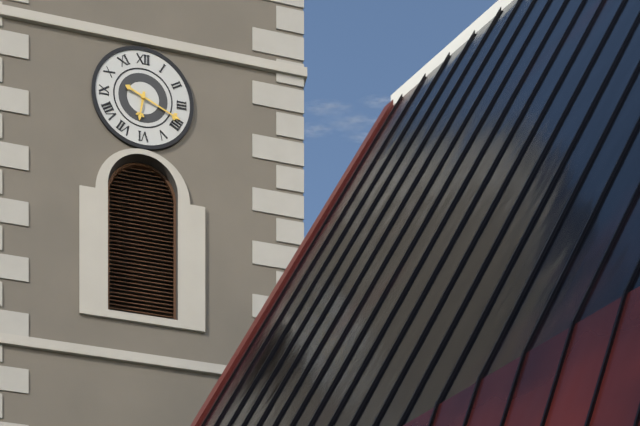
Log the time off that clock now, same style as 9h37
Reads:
6h19
